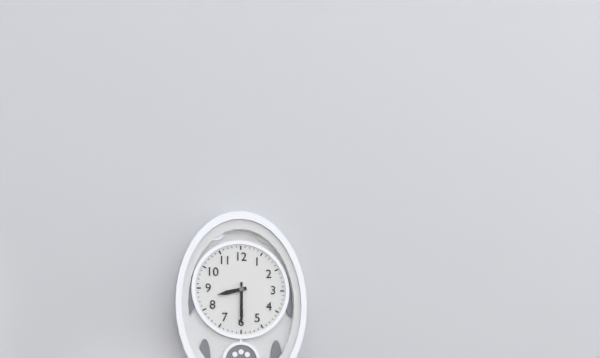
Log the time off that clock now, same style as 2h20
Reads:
8h30
